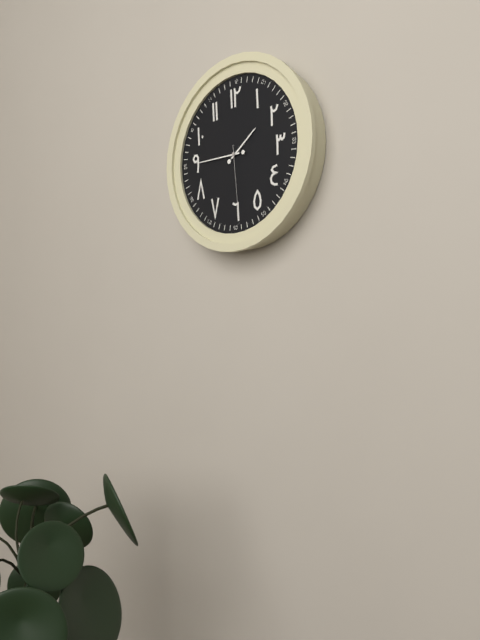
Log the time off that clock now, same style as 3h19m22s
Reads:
1h45m29s
